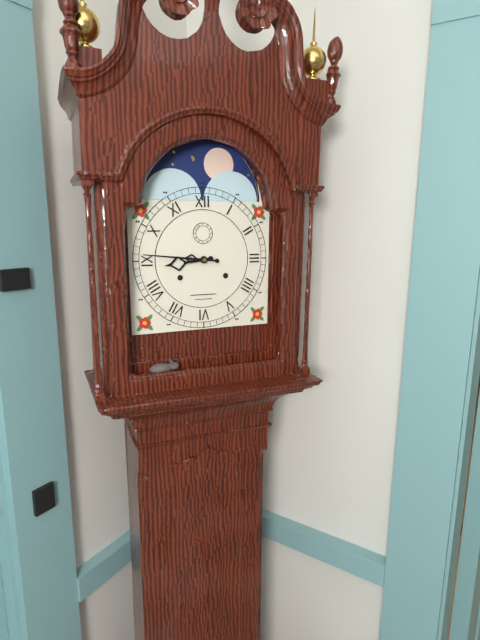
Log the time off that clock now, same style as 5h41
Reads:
8h46
